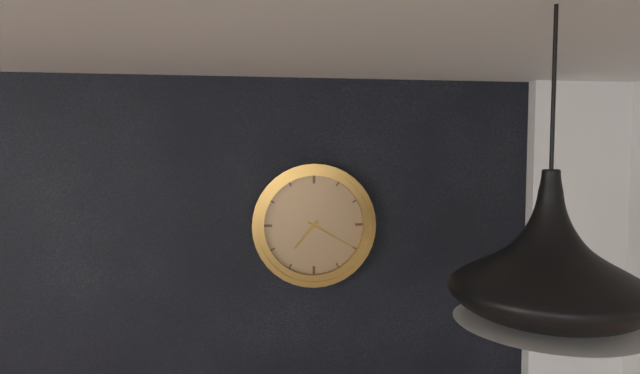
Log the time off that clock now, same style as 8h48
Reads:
7h20
